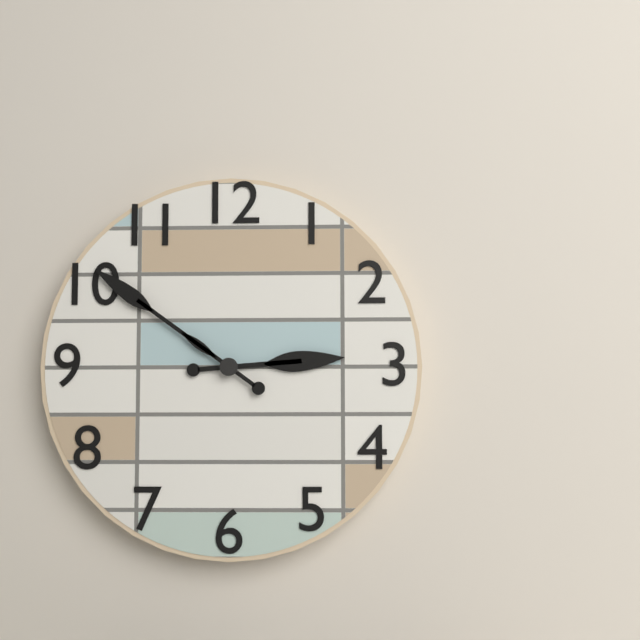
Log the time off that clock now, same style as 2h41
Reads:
2h51
